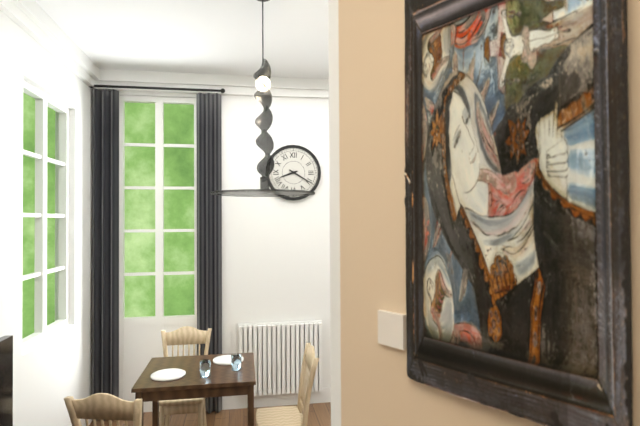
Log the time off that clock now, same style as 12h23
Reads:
8h20
